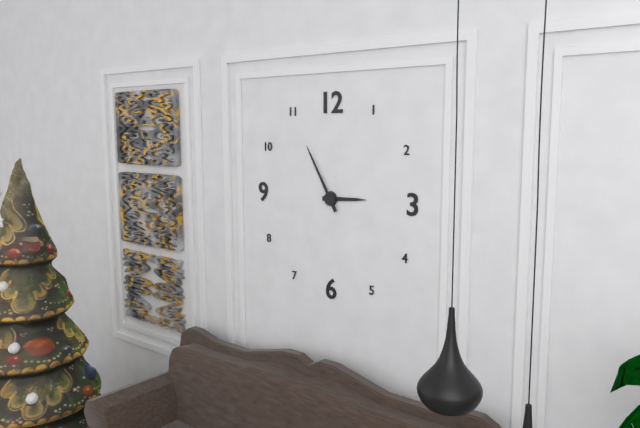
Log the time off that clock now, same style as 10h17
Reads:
2h55
